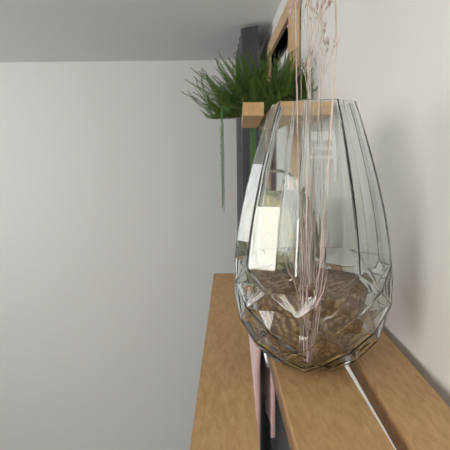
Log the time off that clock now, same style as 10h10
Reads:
11h09
